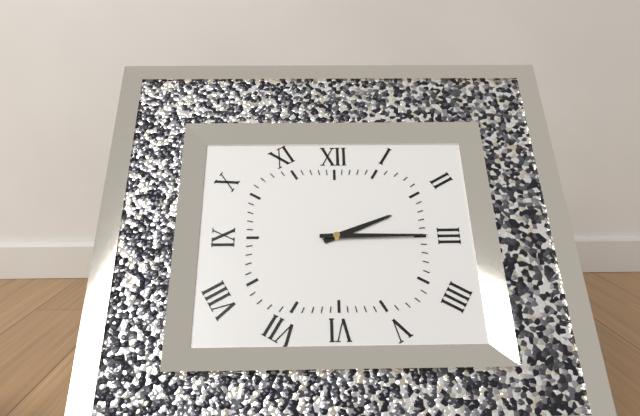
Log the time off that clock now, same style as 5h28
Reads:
2h15
